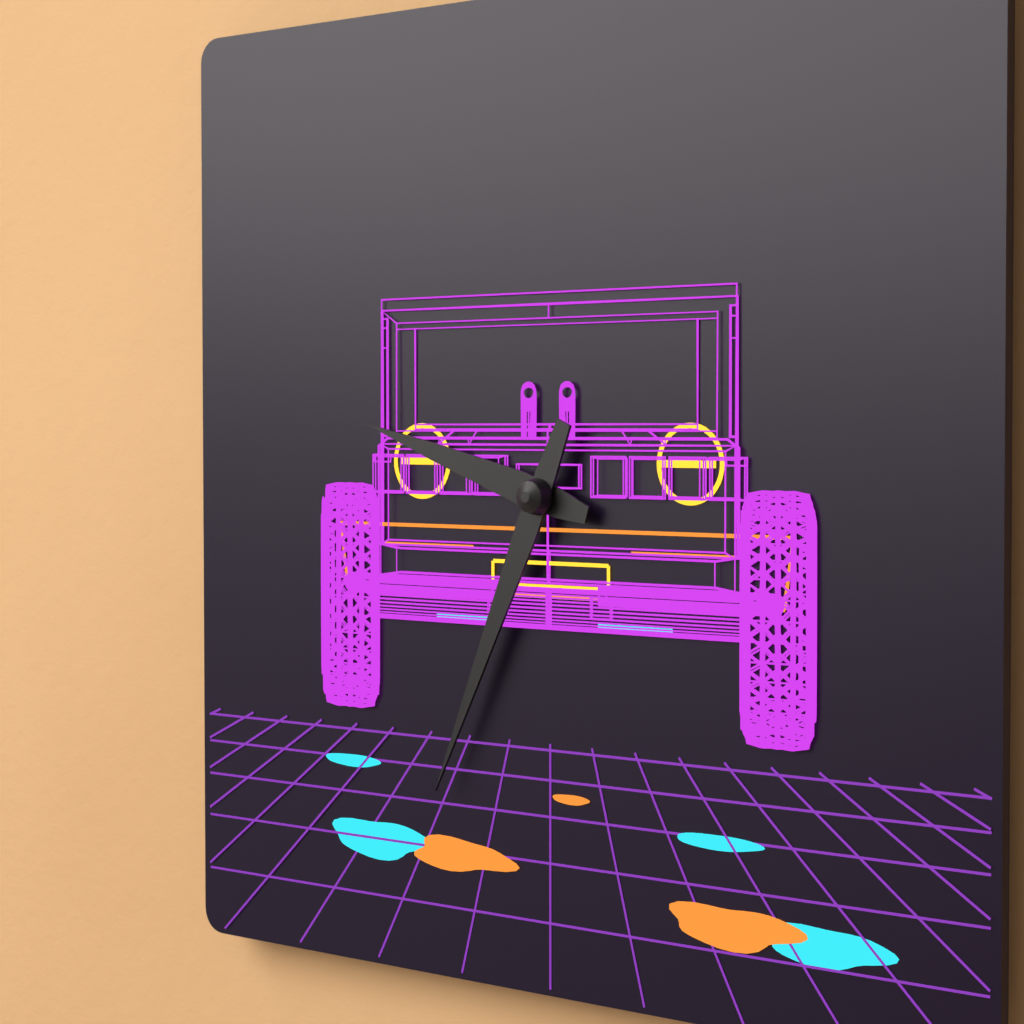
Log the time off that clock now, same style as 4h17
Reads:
9h34
